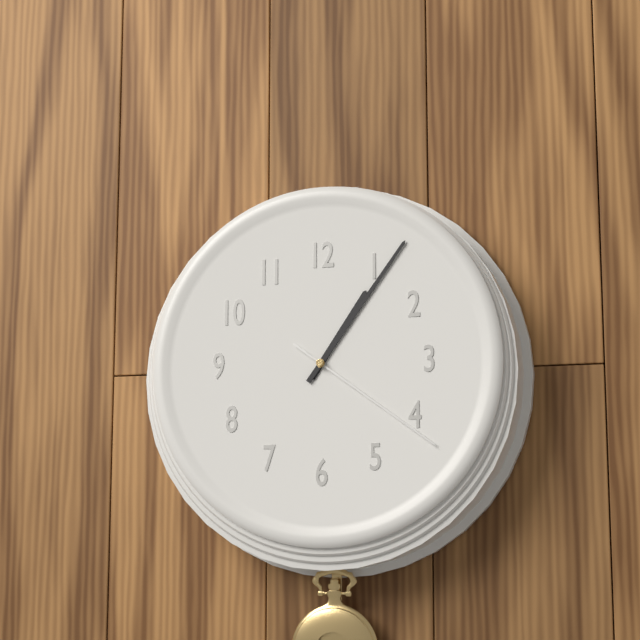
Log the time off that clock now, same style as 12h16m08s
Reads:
1h06m21s
